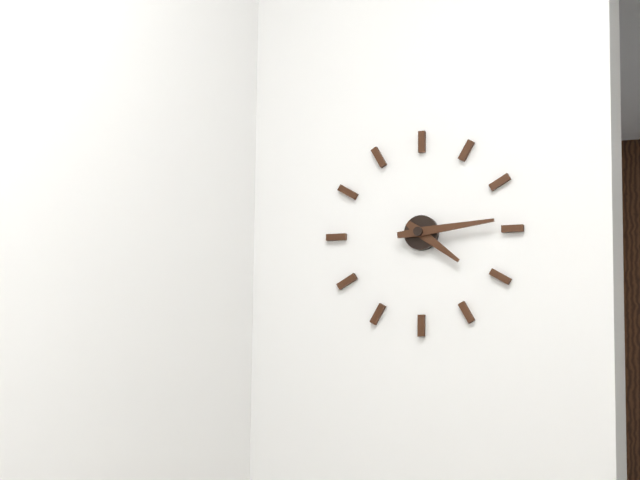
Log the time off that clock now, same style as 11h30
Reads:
4h14
